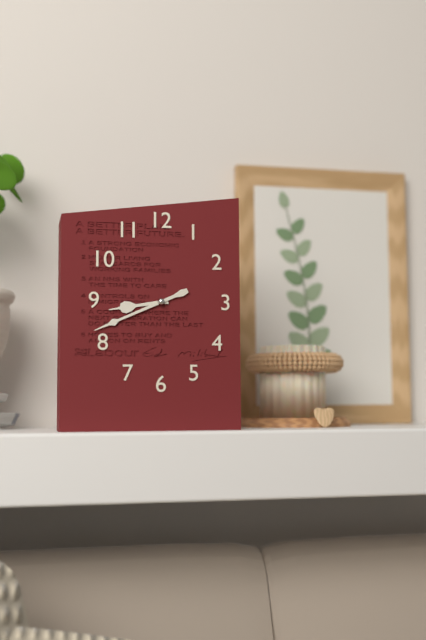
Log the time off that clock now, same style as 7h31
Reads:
8h41
